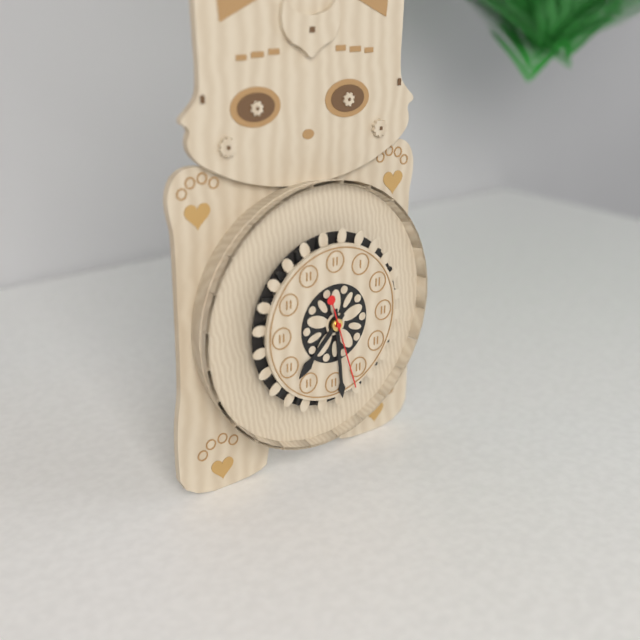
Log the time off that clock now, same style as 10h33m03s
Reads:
7h29m27s
